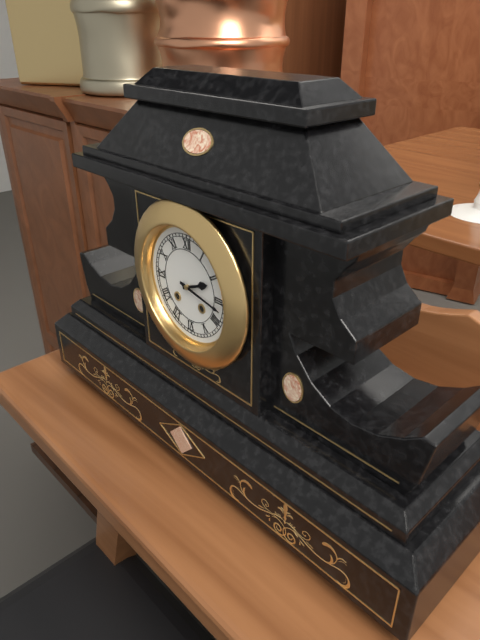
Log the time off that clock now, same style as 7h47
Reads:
2h17
